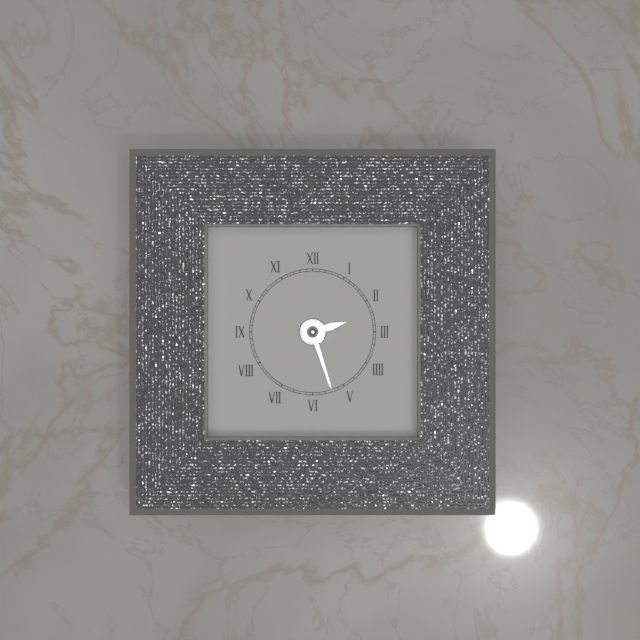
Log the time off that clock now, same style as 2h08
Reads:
2h27
